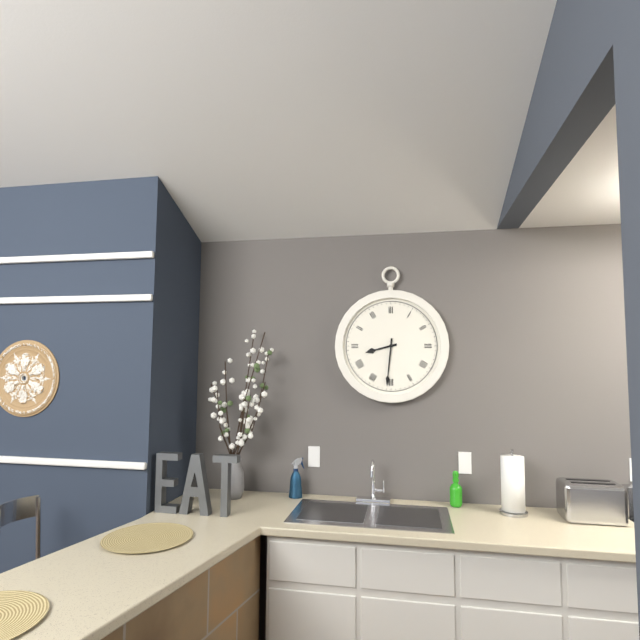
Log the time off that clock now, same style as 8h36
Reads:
8h31
